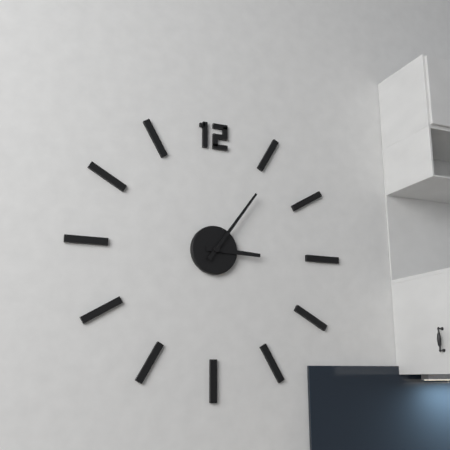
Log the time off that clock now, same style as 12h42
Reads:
3h06
